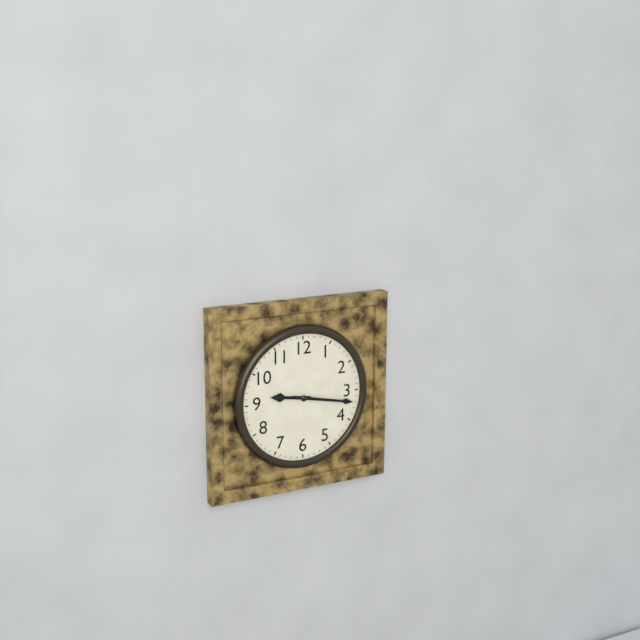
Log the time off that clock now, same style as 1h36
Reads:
9h17
